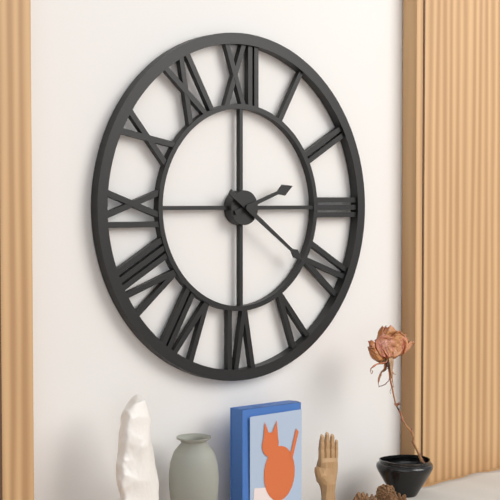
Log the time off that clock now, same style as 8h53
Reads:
2h21
